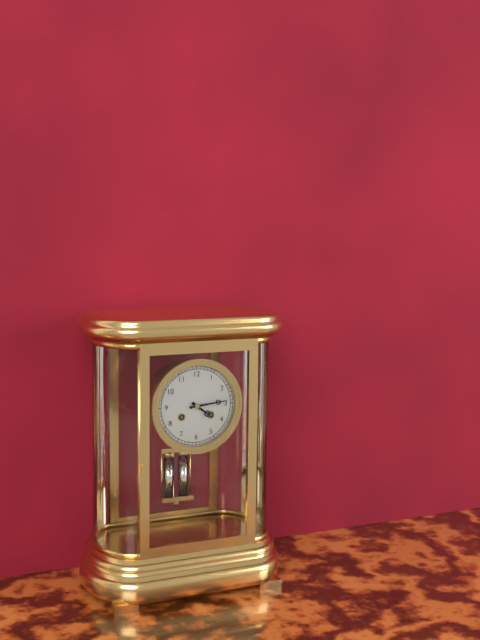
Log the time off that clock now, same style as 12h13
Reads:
4h14
